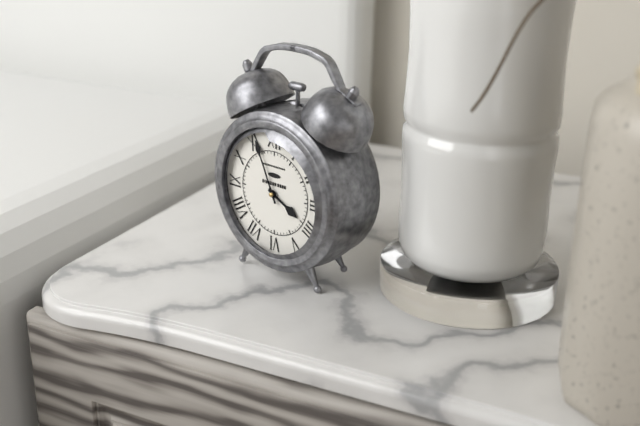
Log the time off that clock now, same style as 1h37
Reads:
3h56
